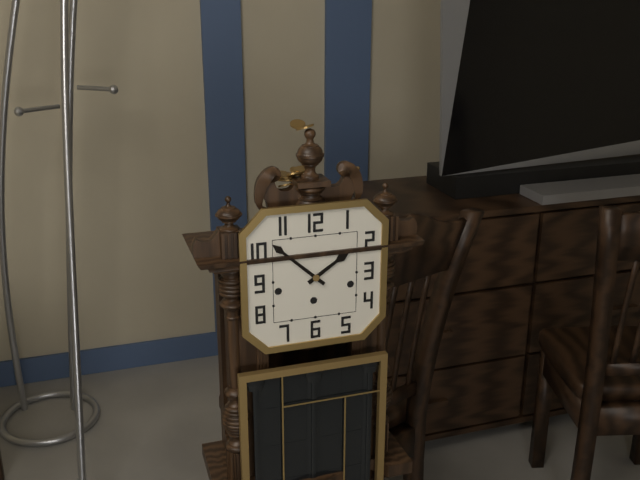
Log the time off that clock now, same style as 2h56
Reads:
1h52
